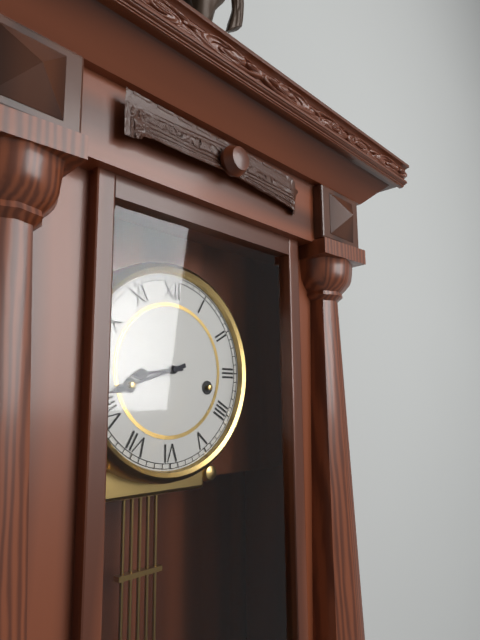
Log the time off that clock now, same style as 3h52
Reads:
8h42
